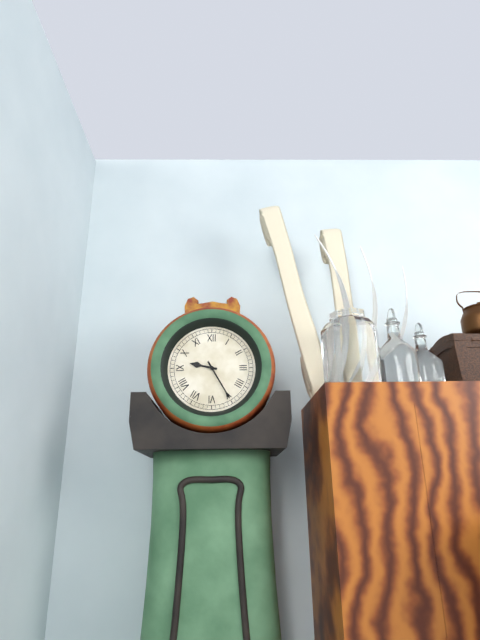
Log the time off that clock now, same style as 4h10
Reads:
9h25
